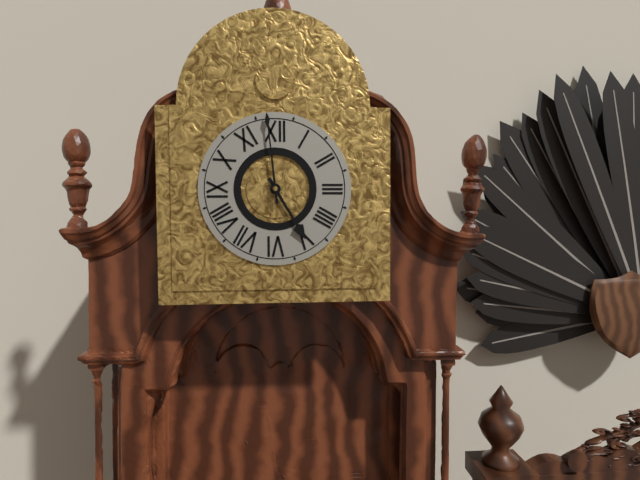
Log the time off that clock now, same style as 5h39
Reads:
4h59
